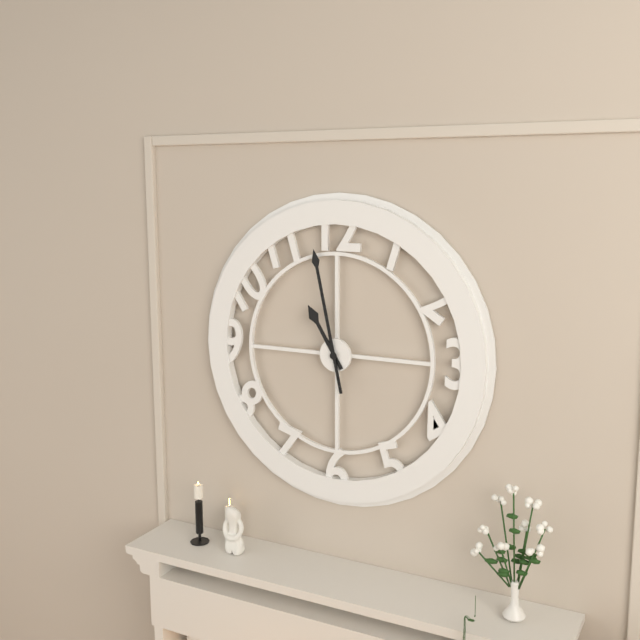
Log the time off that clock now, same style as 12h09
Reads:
10h58
